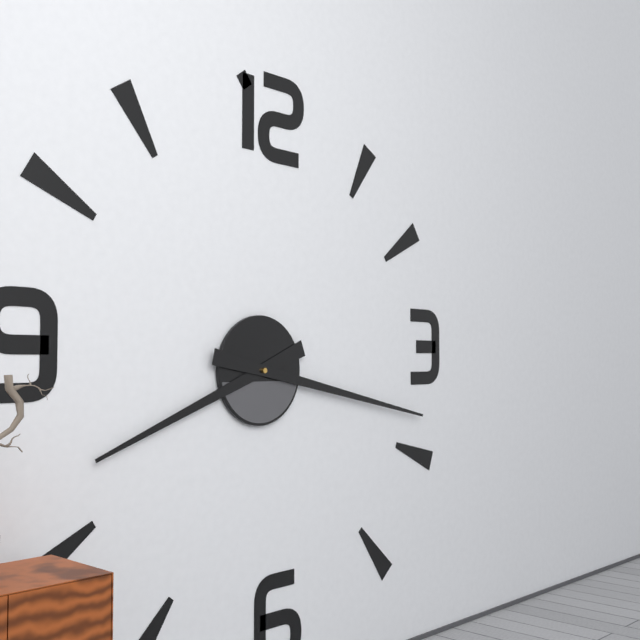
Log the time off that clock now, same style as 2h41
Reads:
8h17
